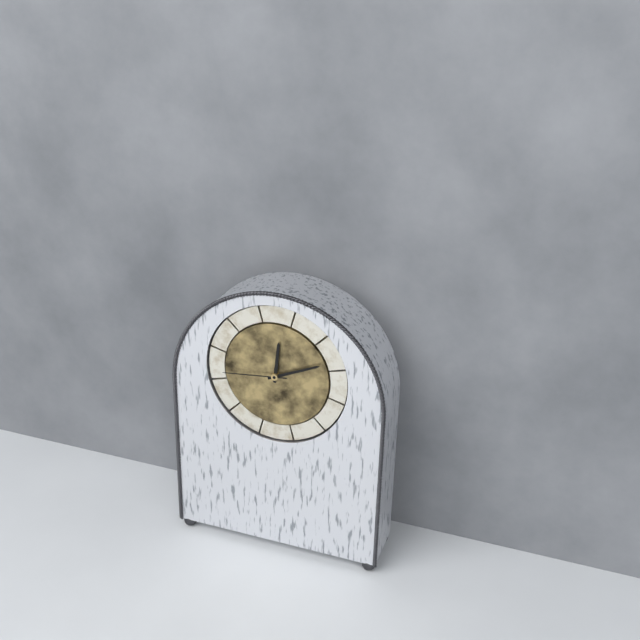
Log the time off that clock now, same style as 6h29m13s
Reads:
12h11m44s
